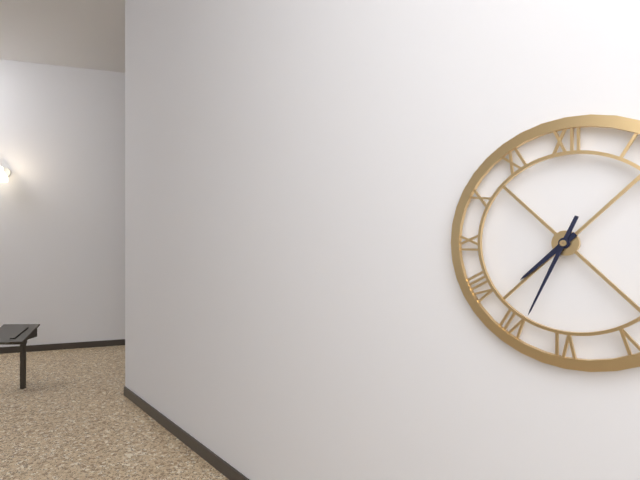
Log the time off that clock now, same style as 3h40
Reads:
7h34
